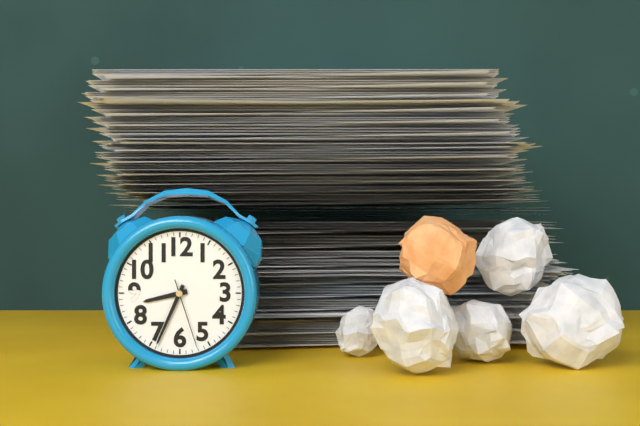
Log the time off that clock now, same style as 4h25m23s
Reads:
8h34m27s
